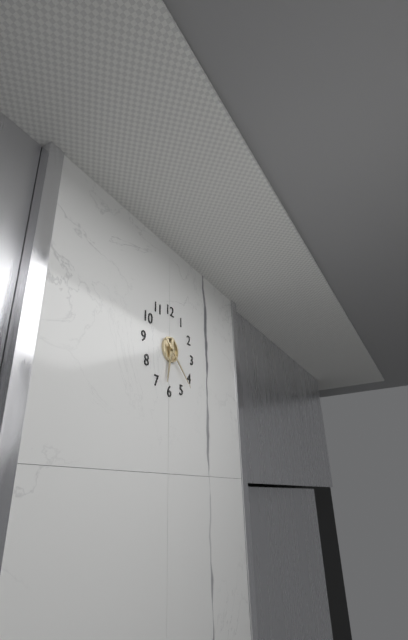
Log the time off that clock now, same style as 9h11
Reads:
6h22
